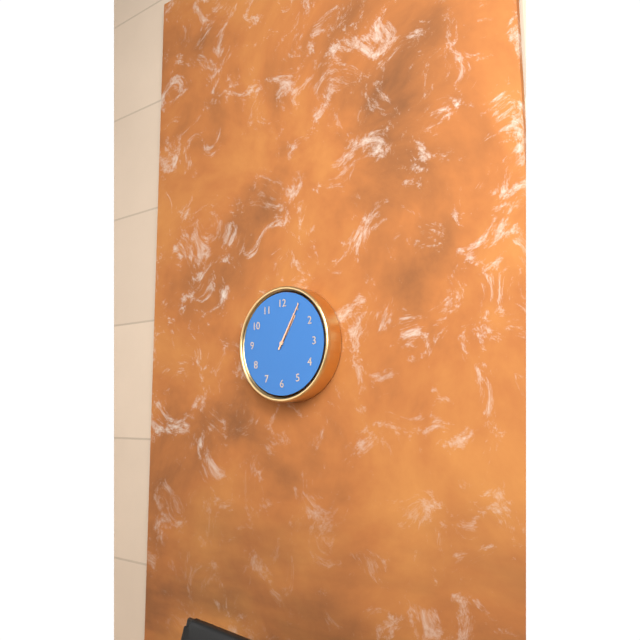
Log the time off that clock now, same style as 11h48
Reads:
1h05
